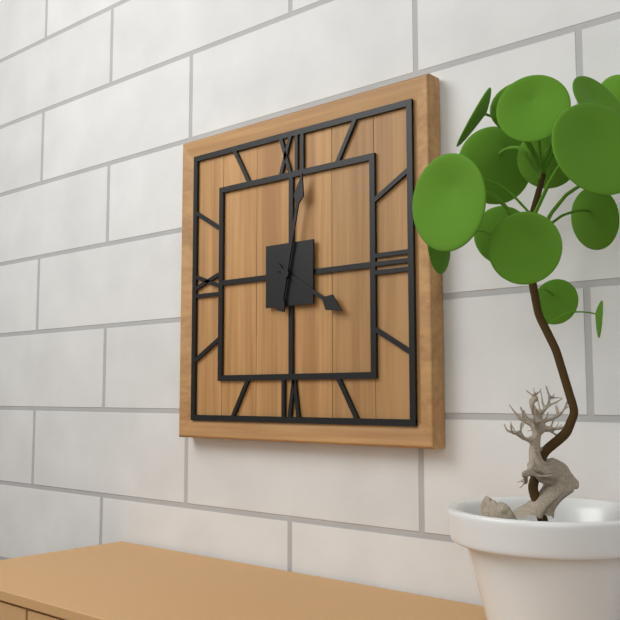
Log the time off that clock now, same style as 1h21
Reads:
4h02
